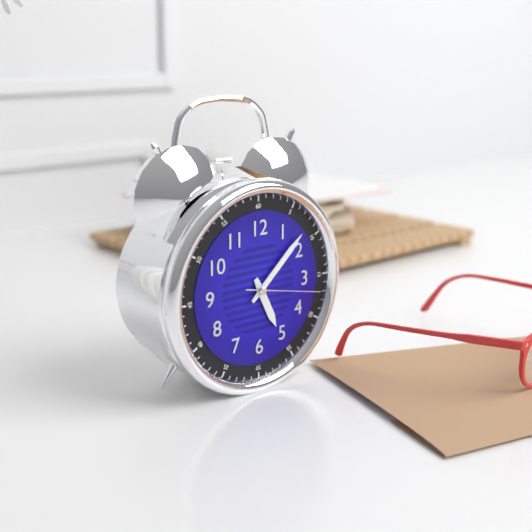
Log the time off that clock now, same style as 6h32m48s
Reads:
5h08m17s
